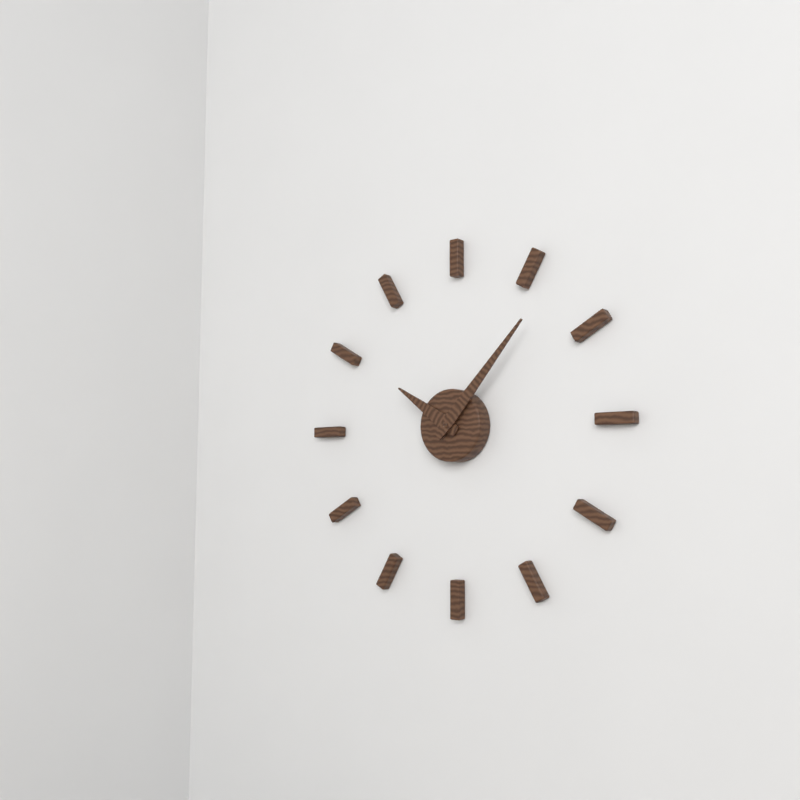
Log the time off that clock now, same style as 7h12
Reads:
10h07
